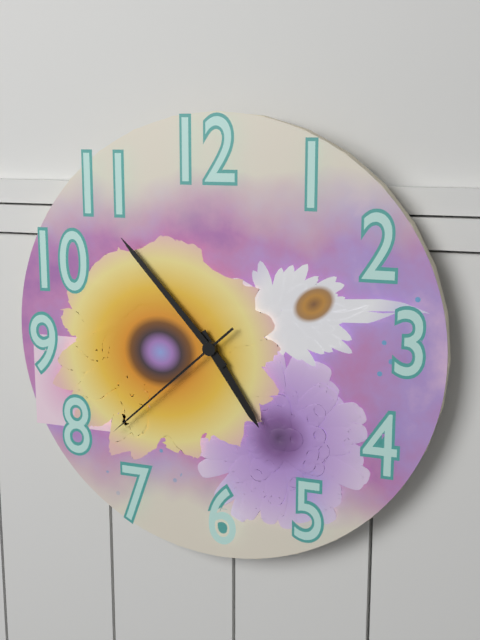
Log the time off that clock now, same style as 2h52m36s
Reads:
4h53m38s
